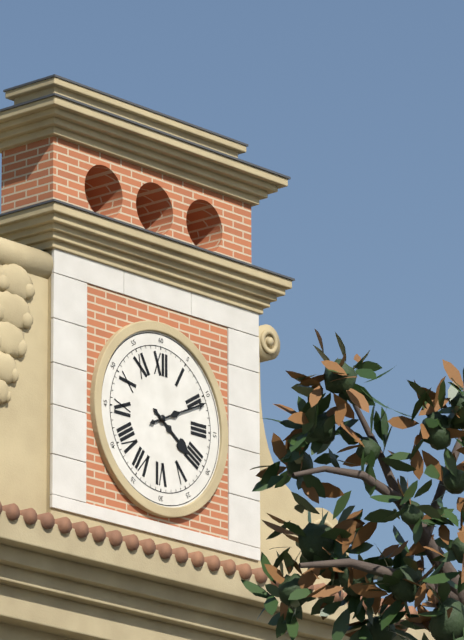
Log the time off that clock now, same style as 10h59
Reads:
4h11
